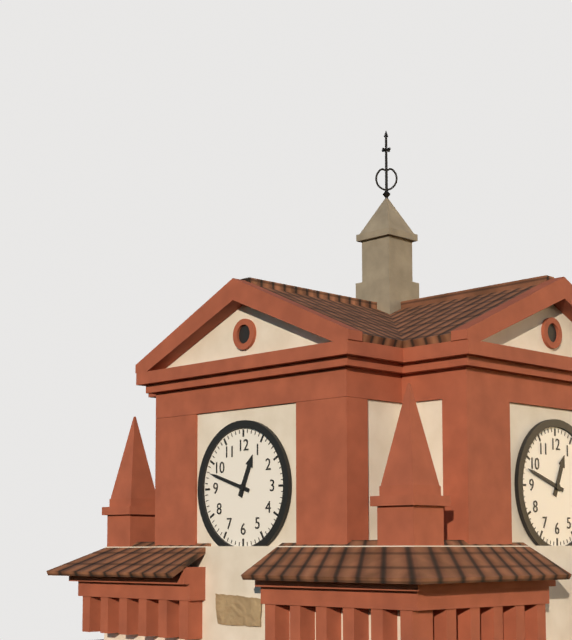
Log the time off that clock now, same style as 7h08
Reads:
12h48
